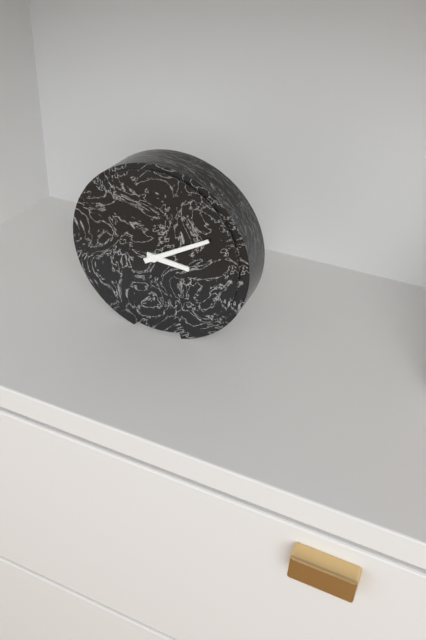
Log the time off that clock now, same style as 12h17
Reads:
3h10
